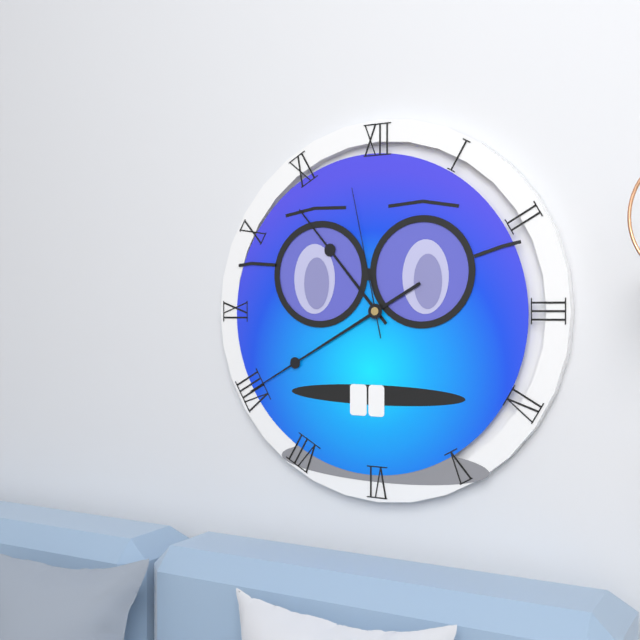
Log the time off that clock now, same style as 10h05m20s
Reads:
10h40m58s
